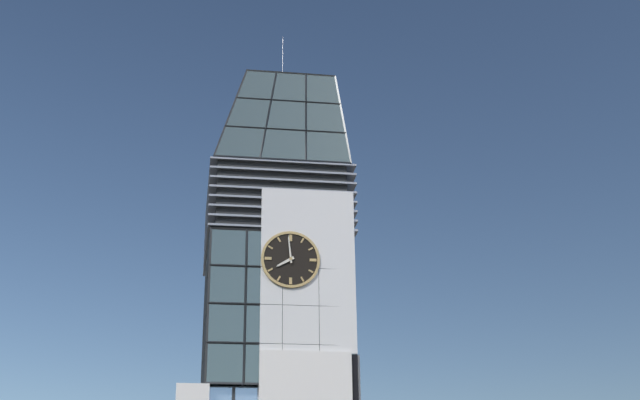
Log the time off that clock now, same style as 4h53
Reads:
7h59
